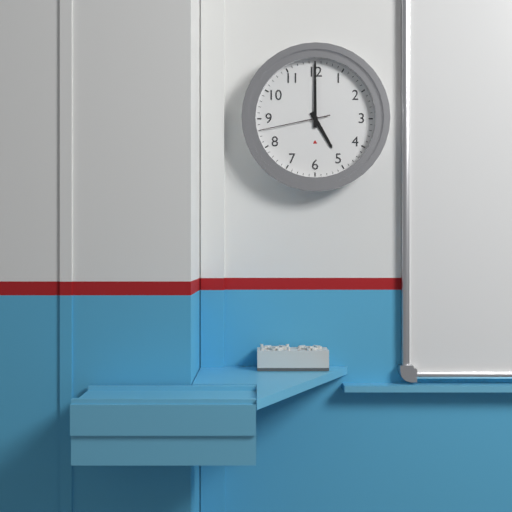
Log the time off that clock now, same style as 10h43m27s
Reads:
5h00m43s
